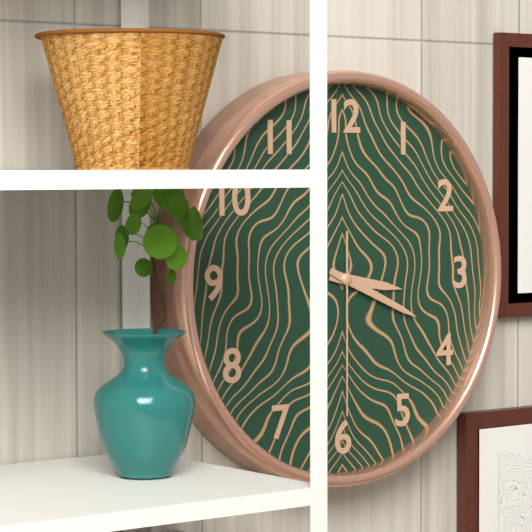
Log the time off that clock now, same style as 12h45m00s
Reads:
3h19m30s
